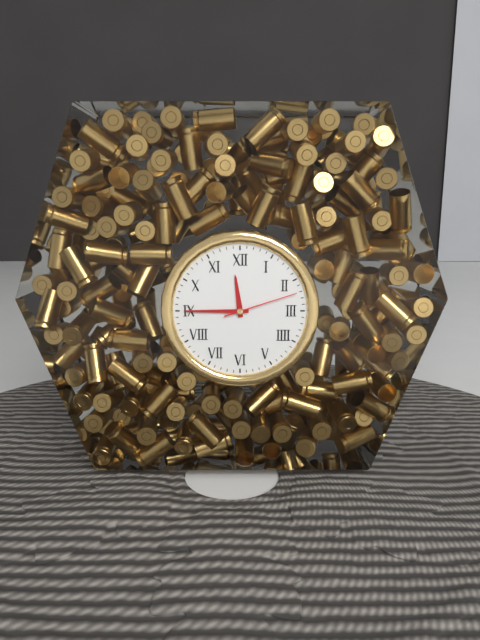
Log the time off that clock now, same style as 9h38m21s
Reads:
11h45m12s
